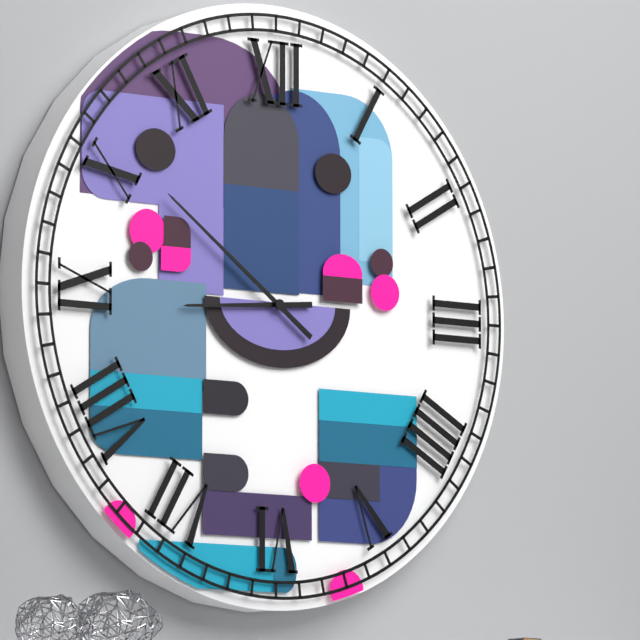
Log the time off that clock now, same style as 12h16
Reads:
8h51
